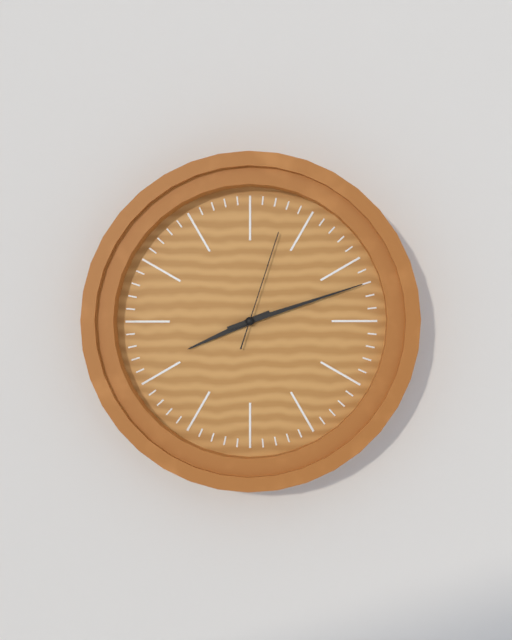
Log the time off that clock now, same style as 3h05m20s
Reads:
8h12m03s
